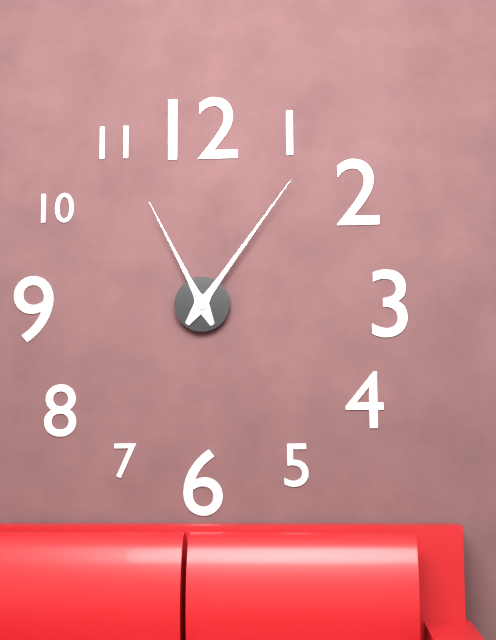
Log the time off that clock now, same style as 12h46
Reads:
11h06
